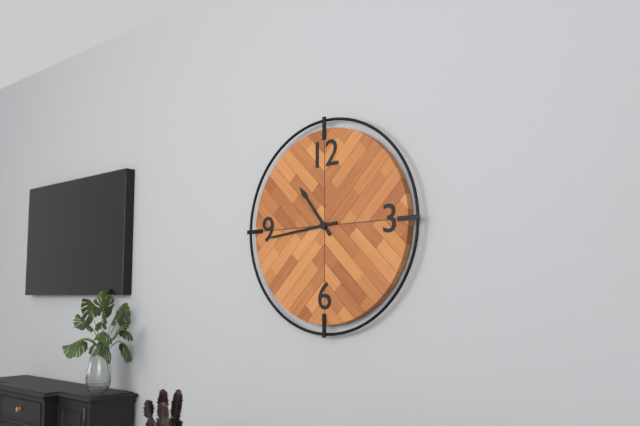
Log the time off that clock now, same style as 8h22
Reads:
10h44
